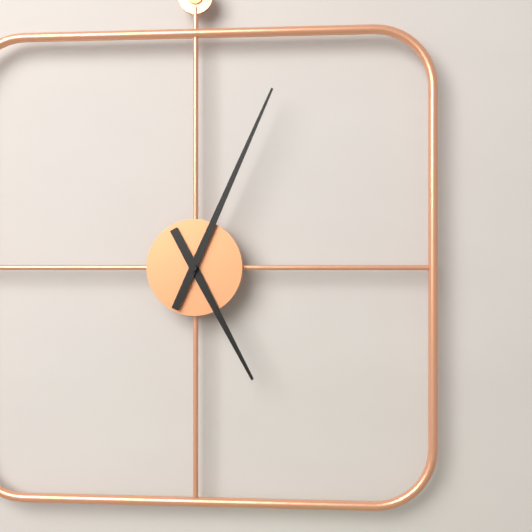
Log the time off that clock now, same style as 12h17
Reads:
5h04
